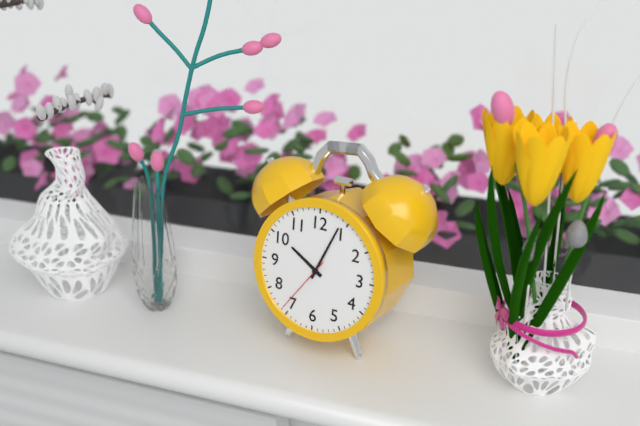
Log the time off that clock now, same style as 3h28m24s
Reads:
10h04m36s
